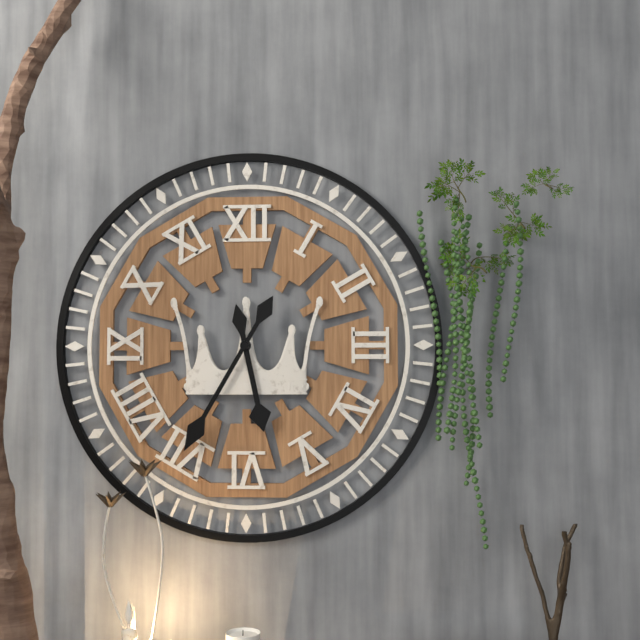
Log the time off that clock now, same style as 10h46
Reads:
5h35
